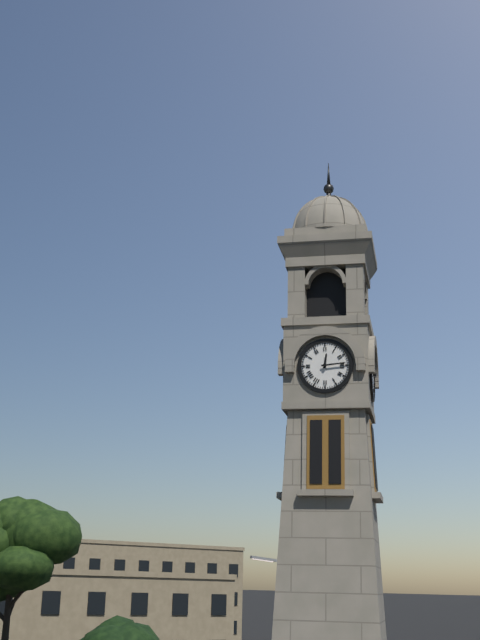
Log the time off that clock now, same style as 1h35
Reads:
12h14
